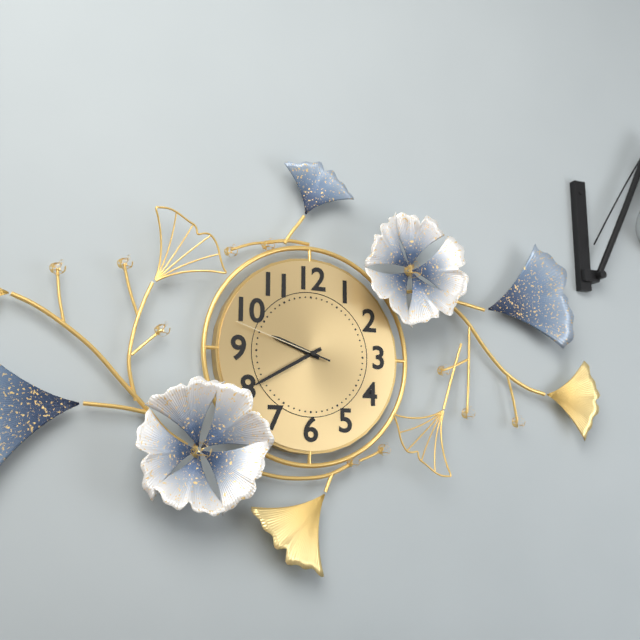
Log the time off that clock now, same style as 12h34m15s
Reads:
9h40m48s
